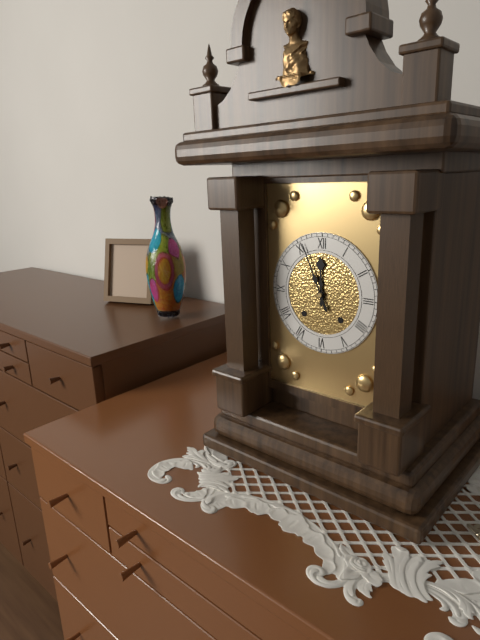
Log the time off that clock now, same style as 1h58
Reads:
11h56
